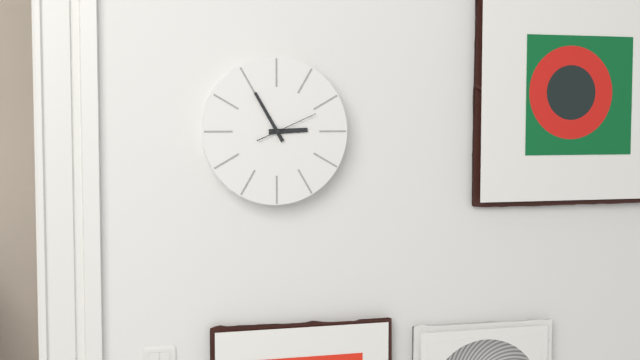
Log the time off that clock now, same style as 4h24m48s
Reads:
2h55m11s
